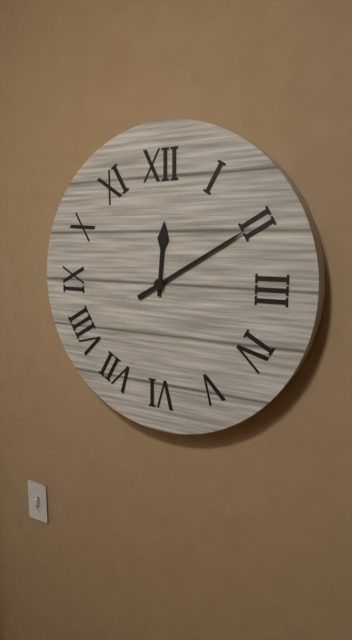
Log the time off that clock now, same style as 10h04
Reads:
12h10
